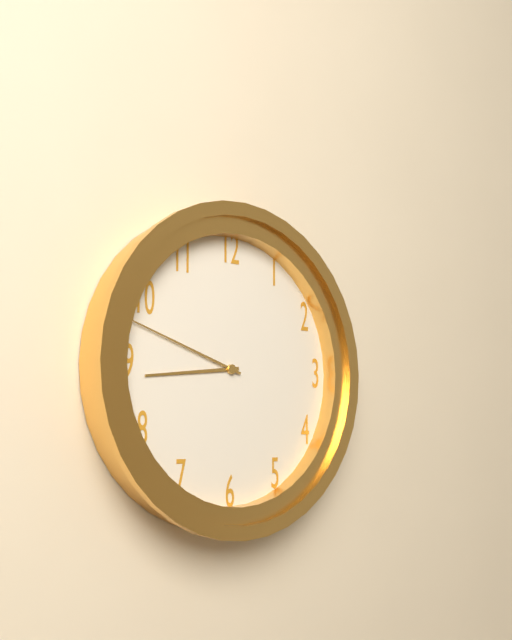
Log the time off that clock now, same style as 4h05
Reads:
8h48
